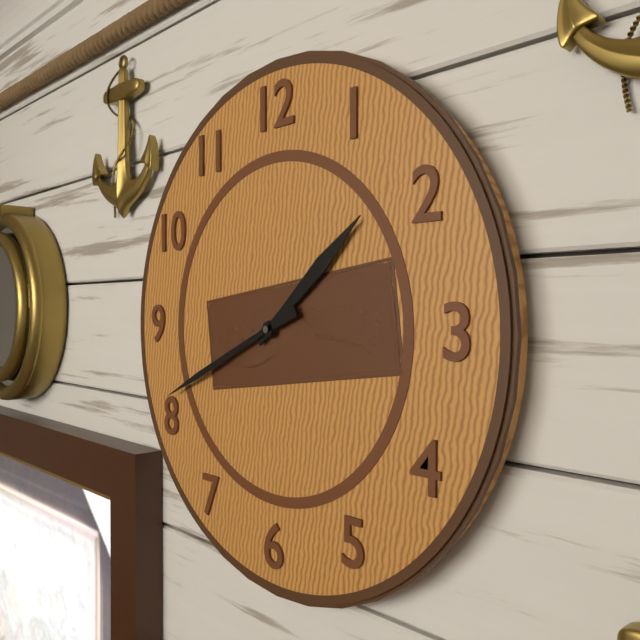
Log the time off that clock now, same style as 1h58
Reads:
1h41
